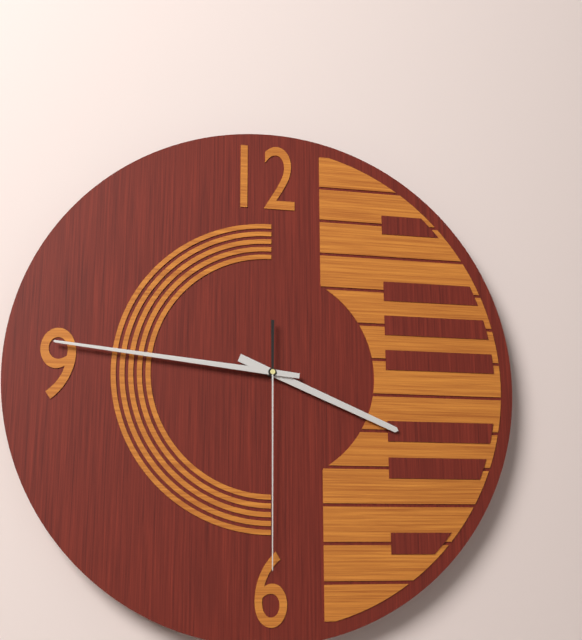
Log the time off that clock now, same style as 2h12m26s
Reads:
3h46m30s
